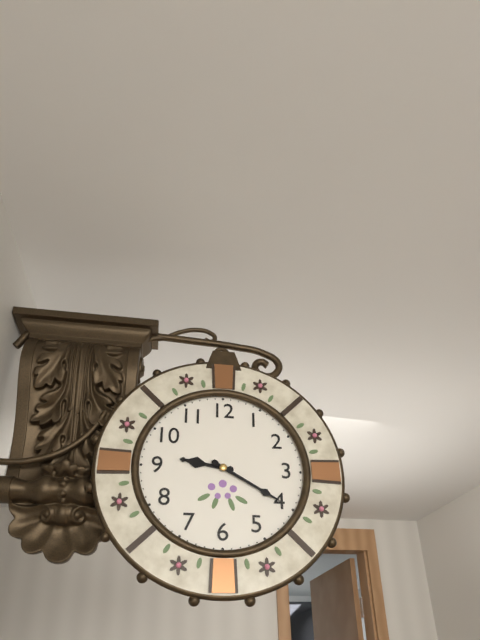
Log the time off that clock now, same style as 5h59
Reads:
9h20
